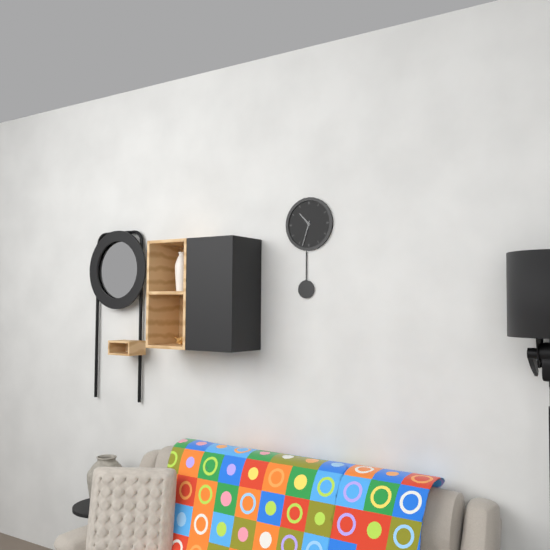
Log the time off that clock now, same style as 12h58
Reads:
10h33
